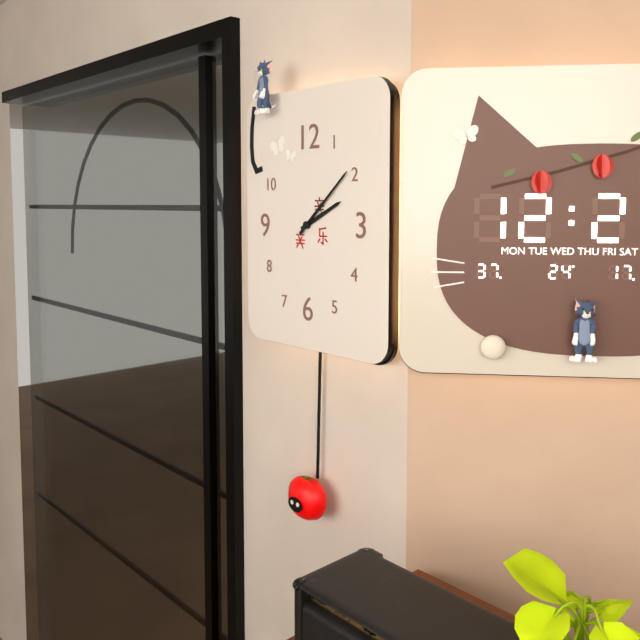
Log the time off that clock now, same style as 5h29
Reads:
2h08
